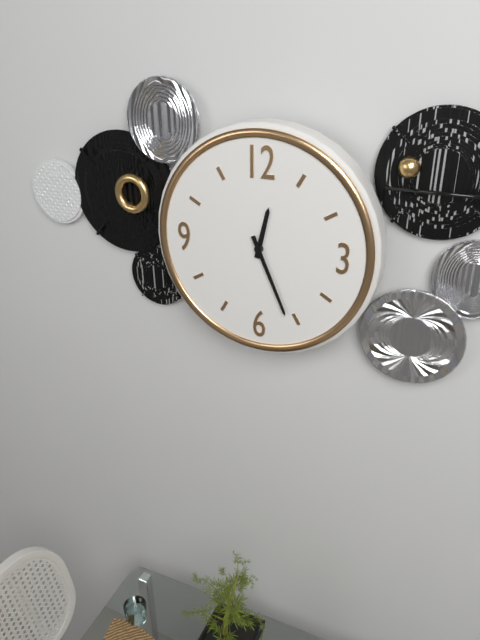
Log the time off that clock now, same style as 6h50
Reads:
12h26
